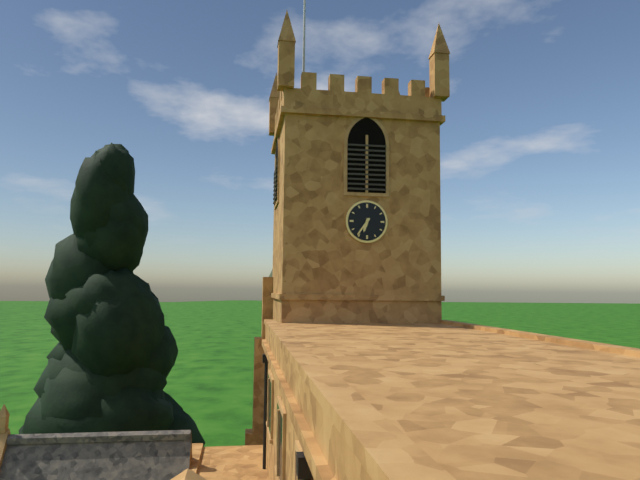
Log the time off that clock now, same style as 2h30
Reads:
6h36
